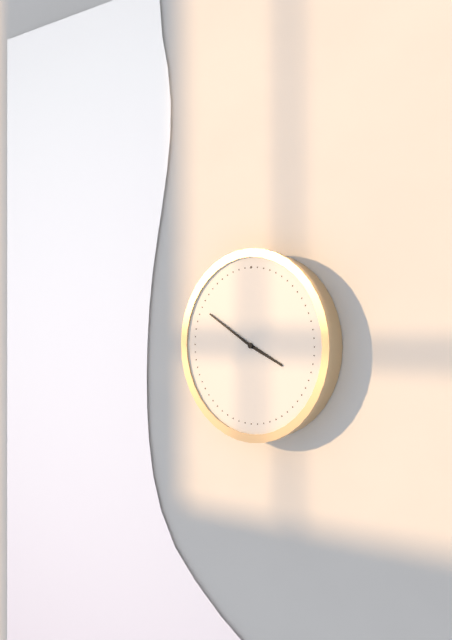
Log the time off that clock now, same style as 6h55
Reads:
3h50
